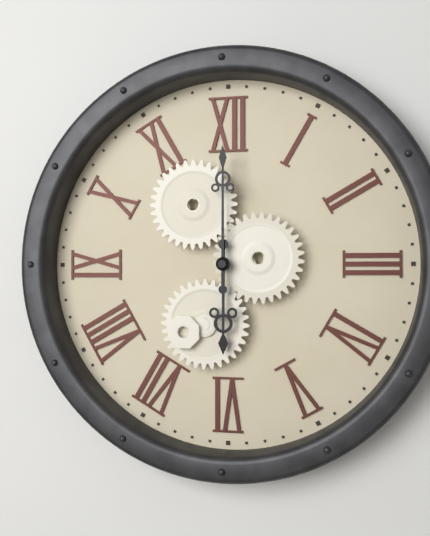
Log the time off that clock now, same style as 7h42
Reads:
6h00
